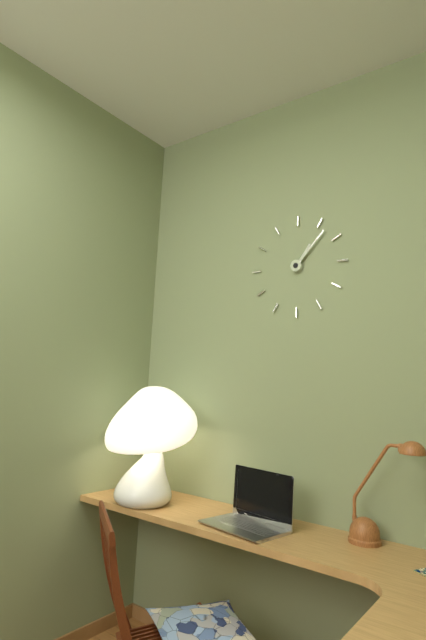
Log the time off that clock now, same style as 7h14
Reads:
1h07
